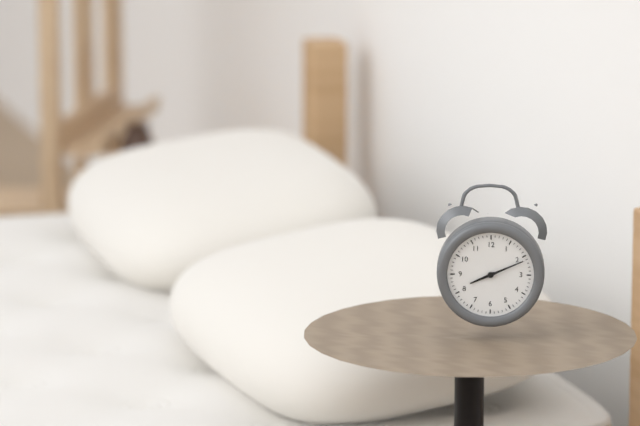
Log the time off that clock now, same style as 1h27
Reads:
8h11
